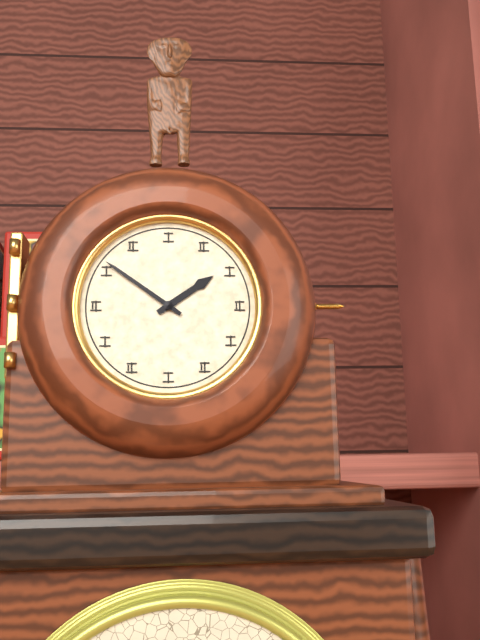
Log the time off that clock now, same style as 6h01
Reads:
1h51
